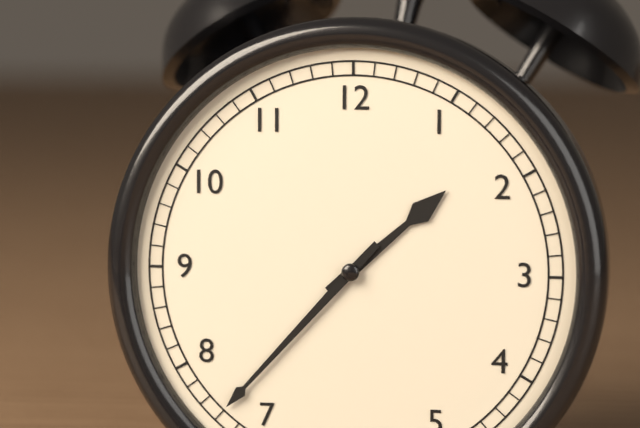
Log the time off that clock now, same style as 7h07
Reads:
1h37
